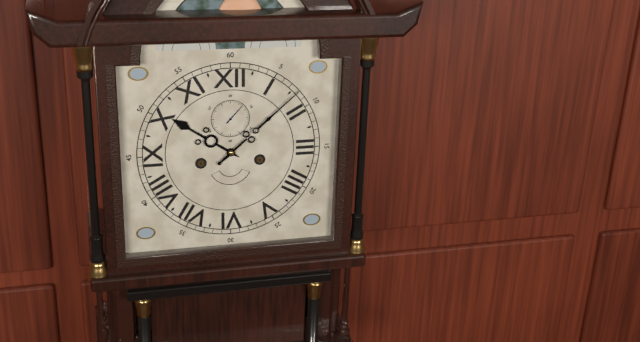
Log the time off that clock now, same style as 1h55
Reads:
10h08
